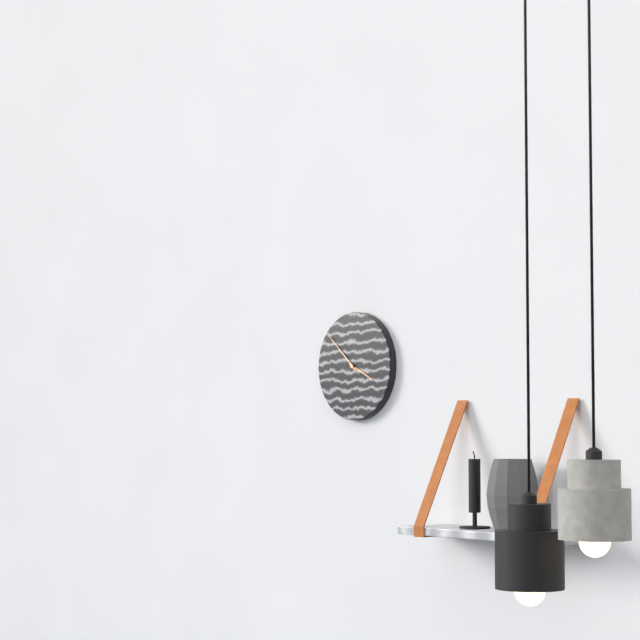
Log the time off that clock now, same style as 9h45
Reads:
3h52
